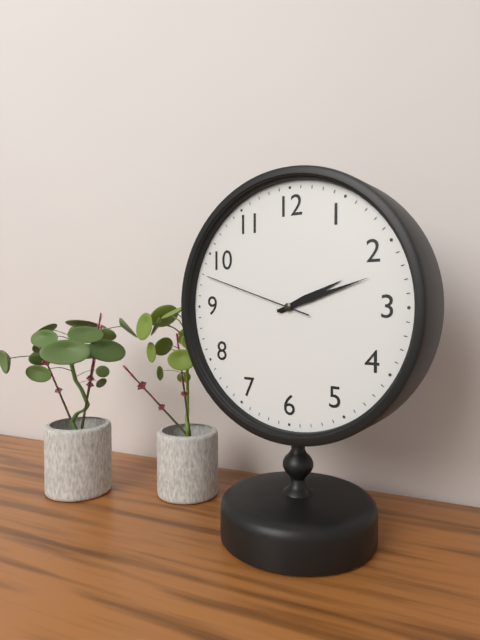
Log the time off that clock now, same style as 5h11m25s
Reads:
2h12m48s
